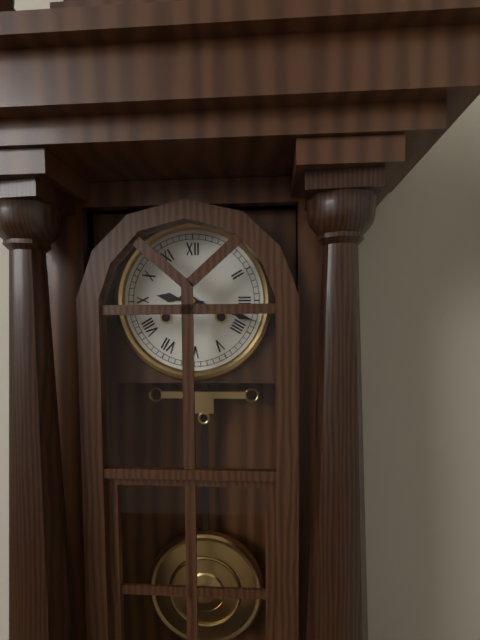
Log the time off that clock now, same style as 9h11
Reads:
9h18
